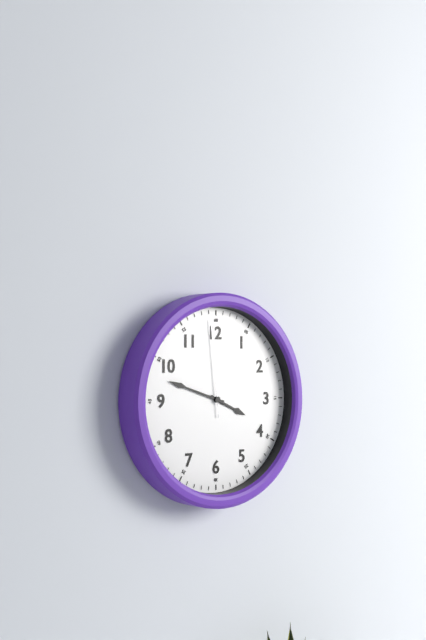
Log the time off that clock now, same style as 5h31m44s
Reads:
3h48m59s
